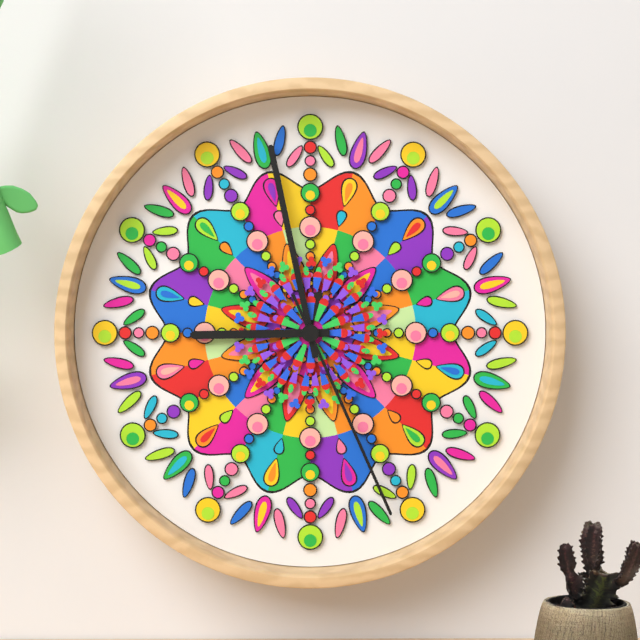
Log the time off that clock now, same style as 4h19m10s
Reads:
8h58m26s
